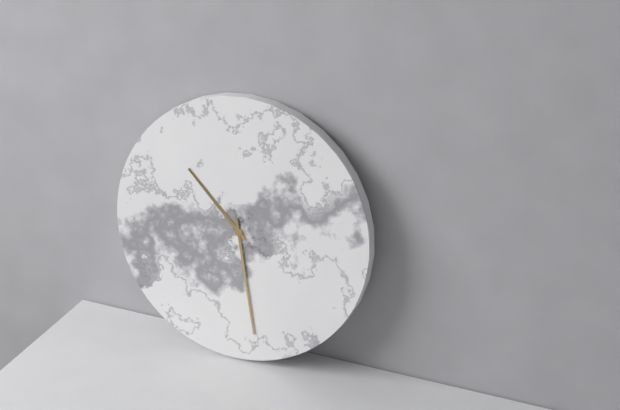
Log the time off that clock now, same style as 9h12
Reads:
10h28
